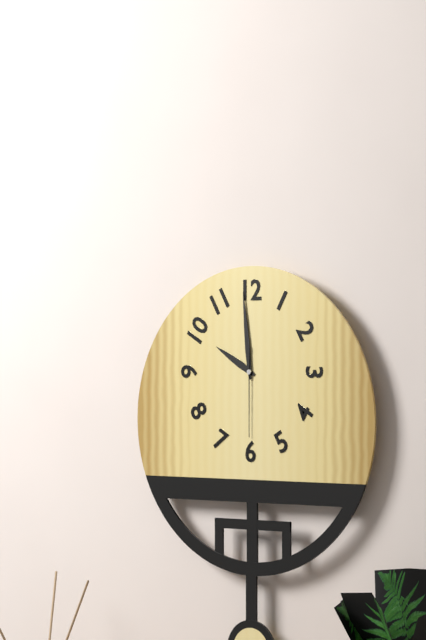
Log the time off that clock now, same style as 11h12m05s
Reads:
9h59m30s
